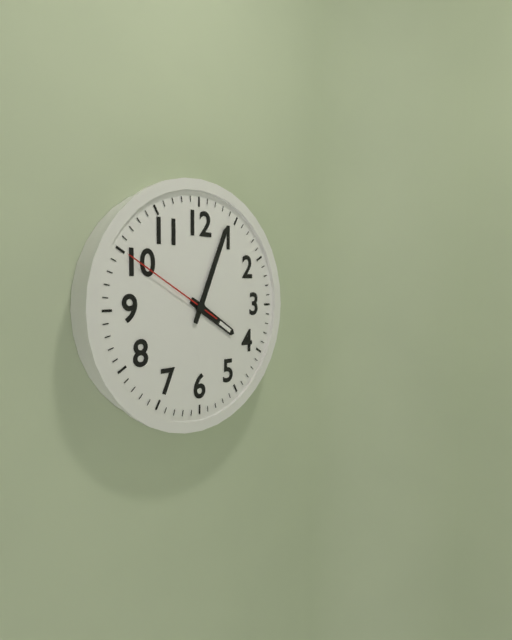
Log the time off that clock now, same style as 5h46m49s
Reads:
4h04m50s
